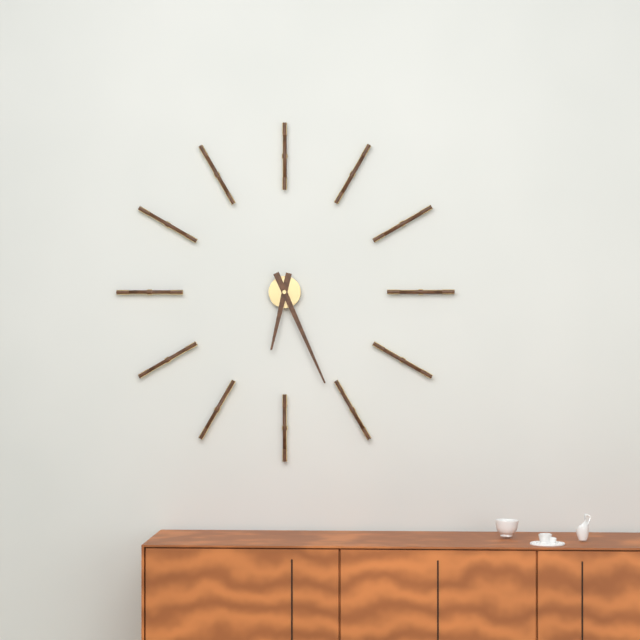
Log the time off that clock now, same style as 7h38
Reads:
6h26
